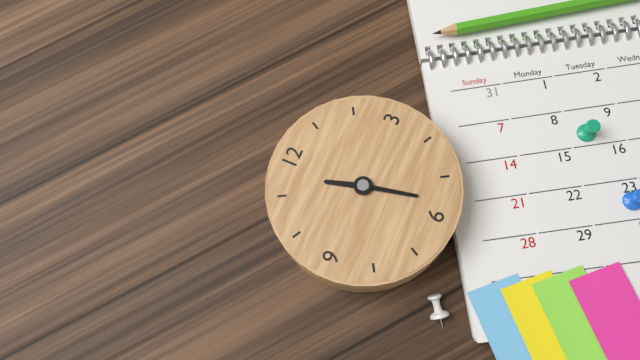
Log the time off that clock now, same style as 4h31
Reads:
11h28
